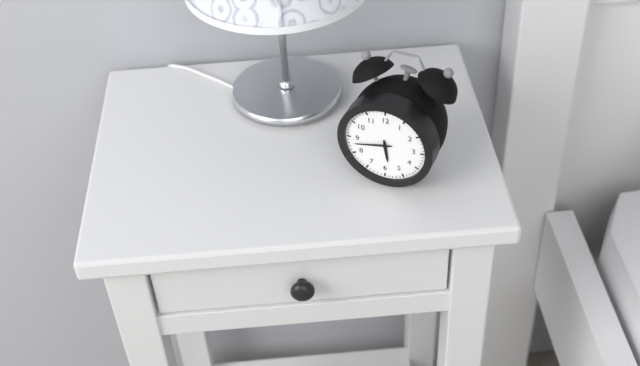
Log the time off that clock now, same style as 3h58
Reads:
5h43
